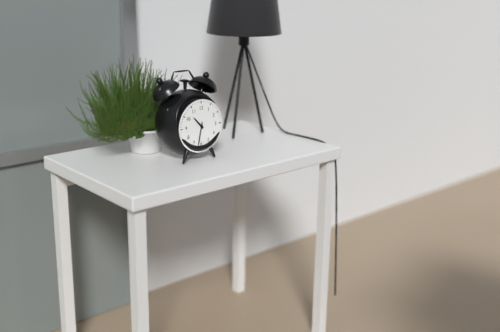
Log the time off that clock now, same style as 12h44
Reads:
10h32
